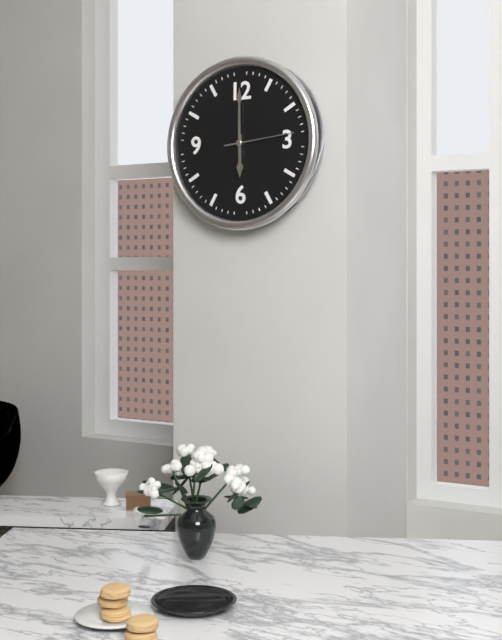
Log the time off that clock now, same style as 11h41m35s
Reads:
6h00m14s
